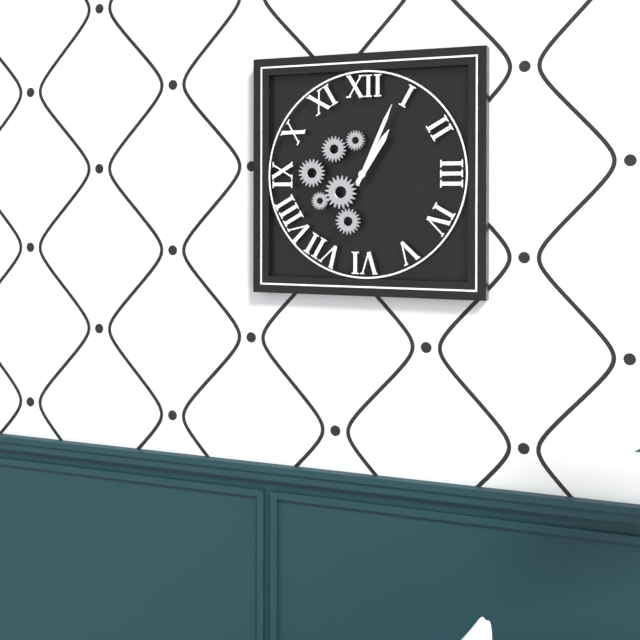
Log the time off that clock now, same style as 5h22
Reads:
1h04
